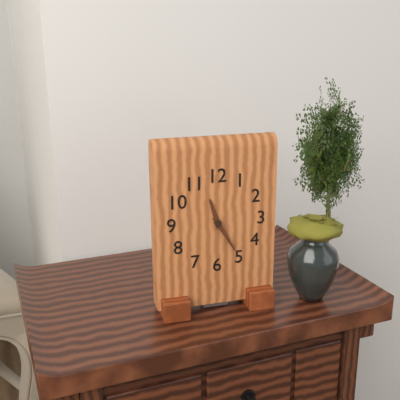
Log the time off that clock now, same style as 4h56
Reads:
11h25
